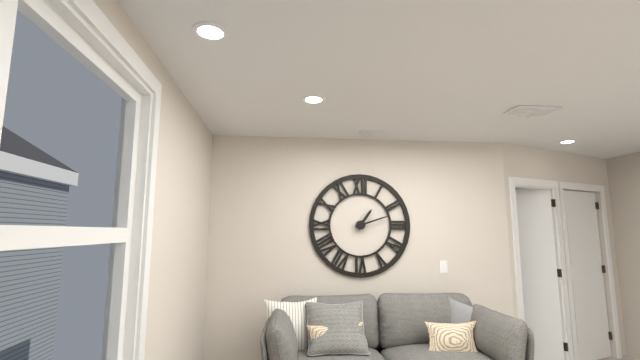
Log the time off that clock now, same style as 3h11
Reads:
1h12
